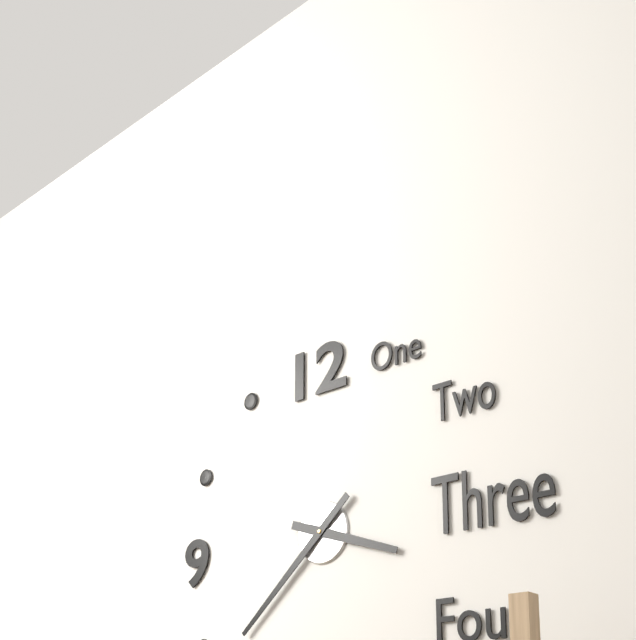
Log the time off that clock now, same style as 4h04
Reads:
3h38
